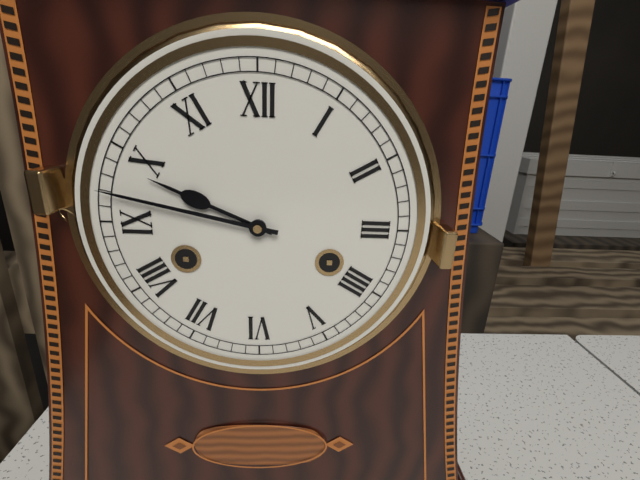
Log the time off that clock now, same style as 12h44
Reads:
9h47
